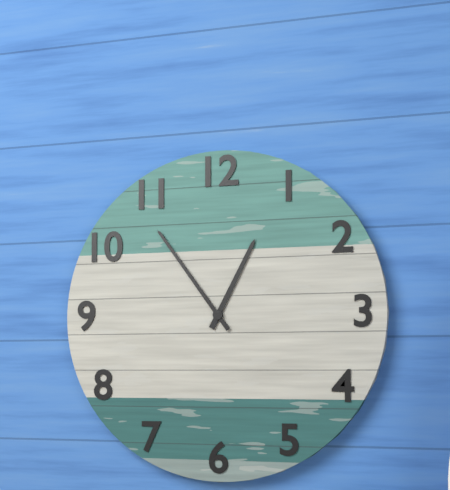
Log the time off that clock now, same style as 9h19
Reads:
12h54
